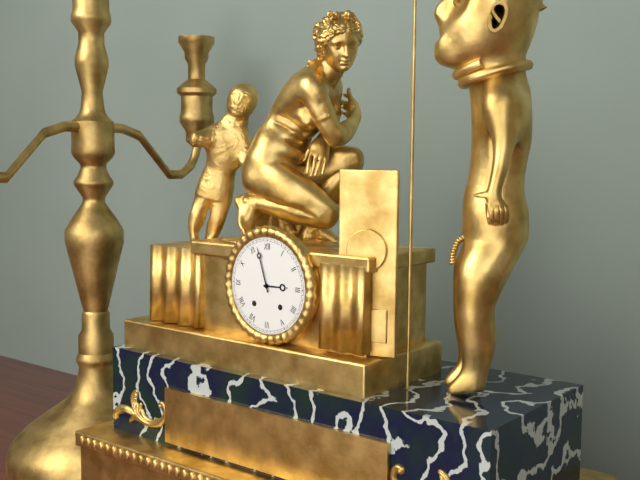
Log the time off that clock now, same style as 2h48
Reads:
2h57
